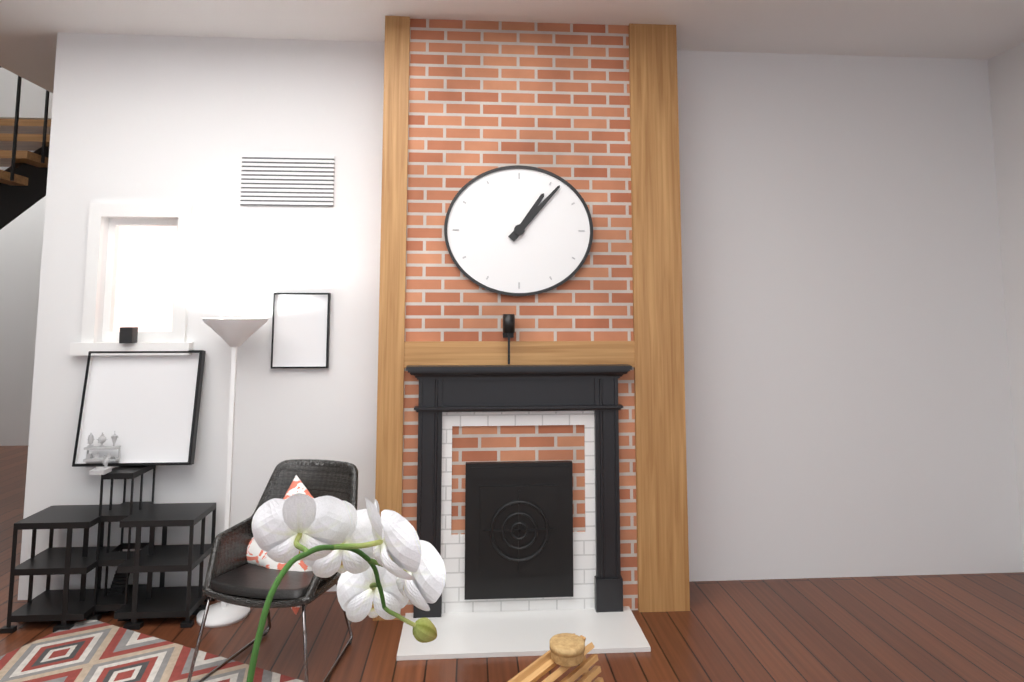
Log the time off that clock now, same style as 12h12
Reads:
1h07
